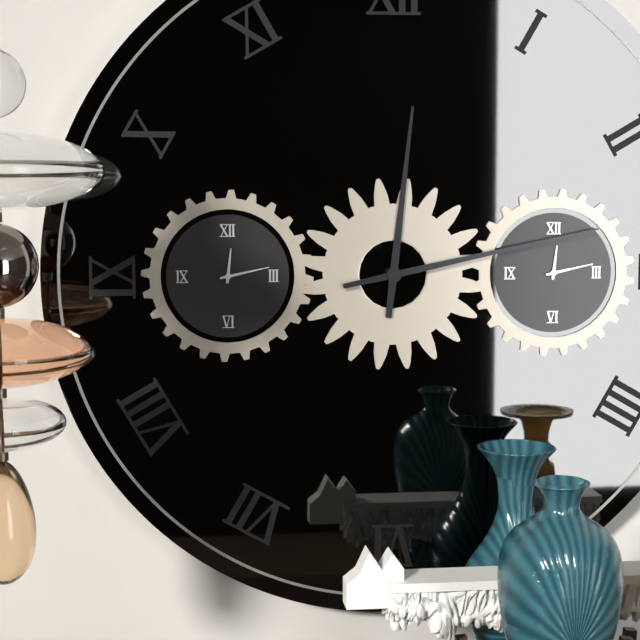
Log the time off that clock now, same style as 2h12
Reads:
12h13
